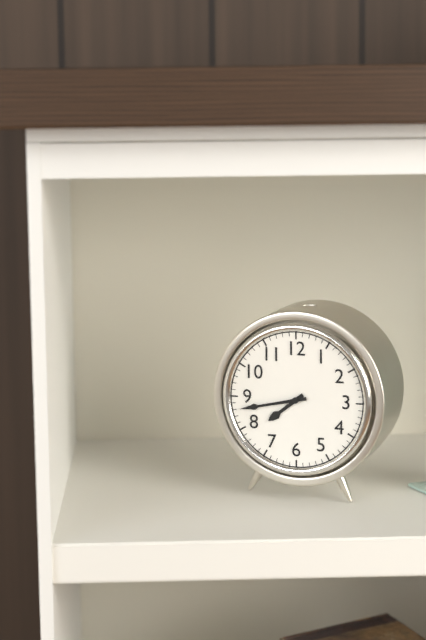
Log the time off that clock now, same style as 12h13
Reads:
7h43
